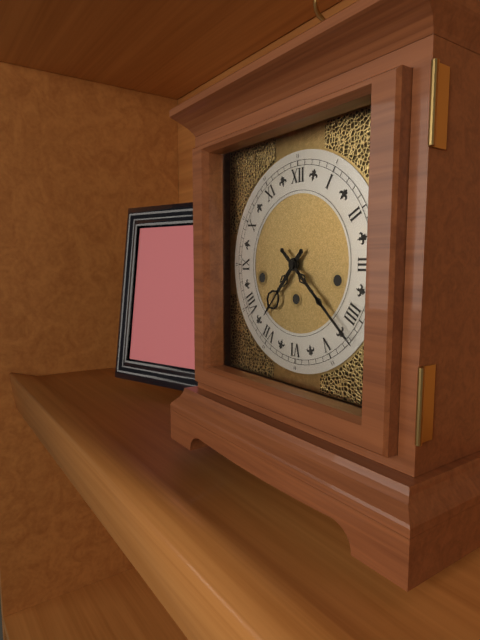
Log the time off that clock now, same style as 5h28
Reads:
7h22
